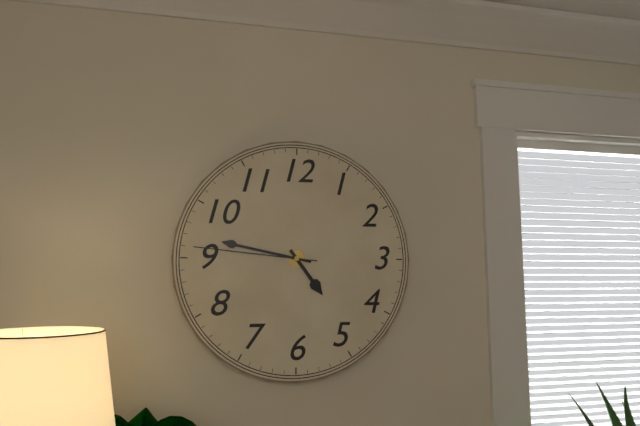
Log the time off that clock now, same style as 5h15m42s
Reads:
4h47m46s
